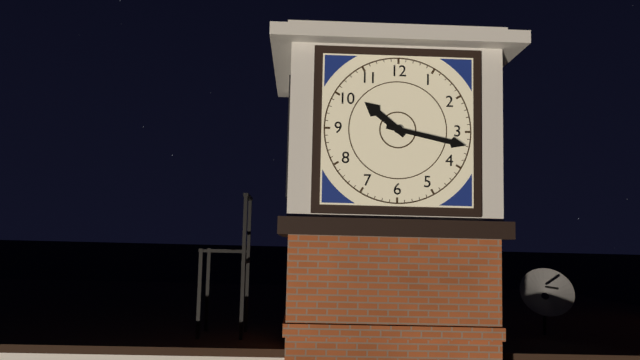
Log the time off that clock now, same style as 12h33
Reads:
10h17
